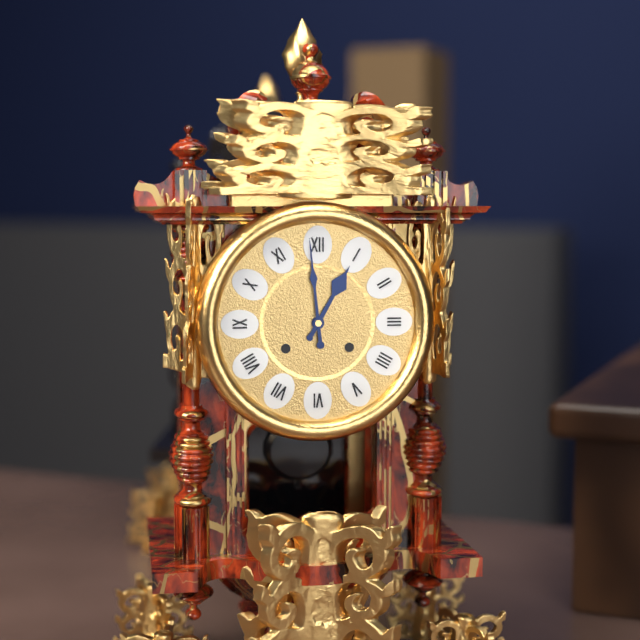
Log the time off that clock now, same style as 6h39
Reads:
12h59
